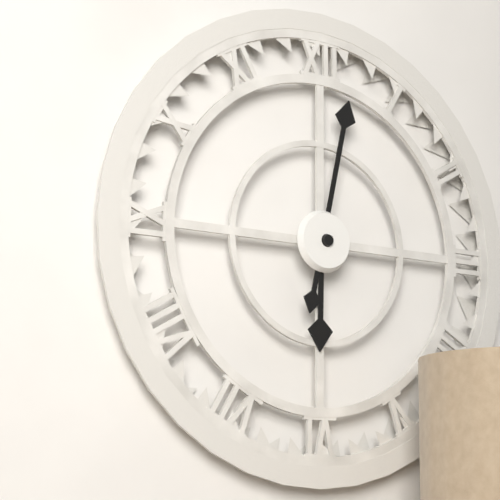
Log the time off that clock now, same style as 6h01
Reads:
6h02
